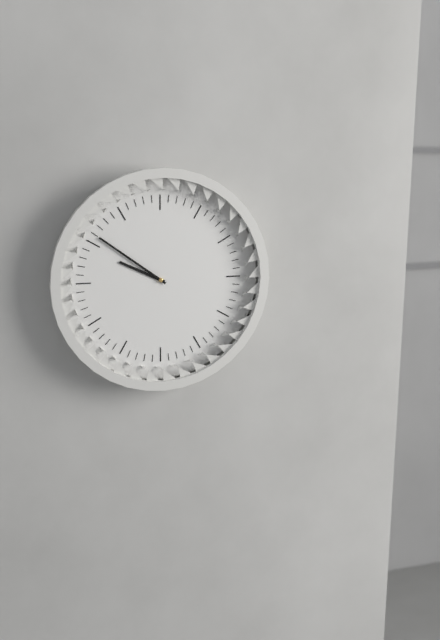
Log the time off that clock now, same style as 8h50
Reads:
9h51
